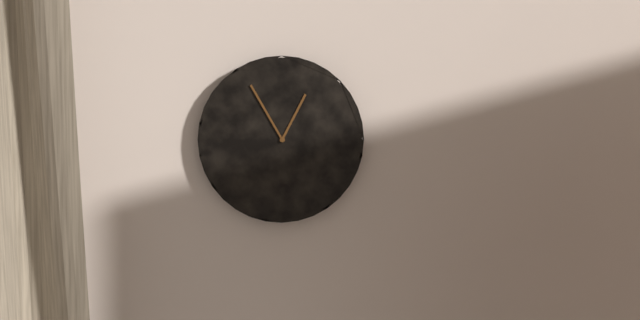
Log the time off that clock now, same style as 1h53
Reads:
12h55
